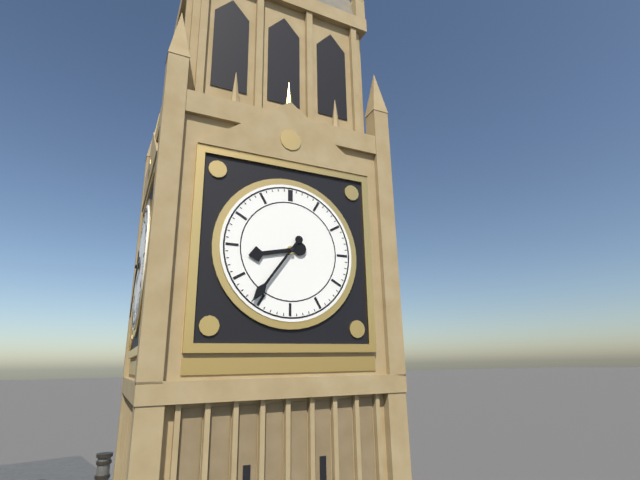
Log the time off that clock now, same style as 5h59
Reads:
8h36
